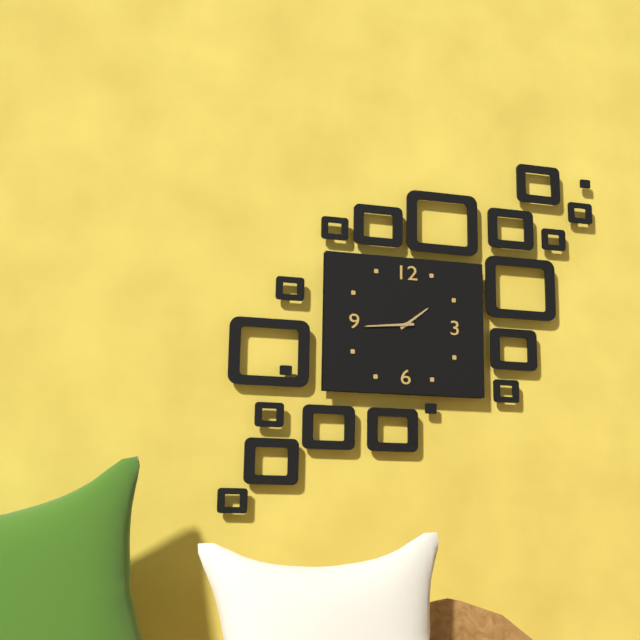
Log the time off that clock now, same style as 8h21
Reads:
1h44
